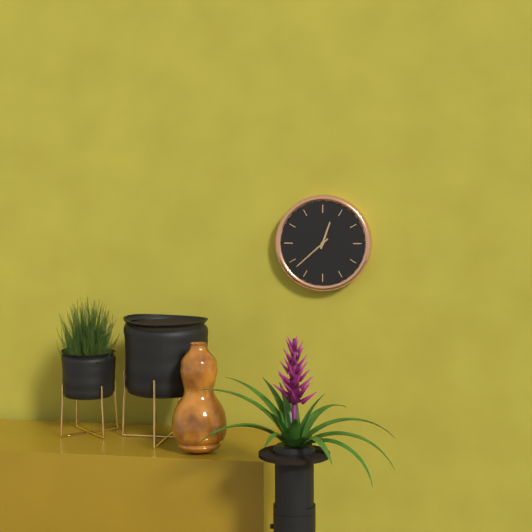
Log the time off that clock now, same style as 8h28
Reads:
12h38
